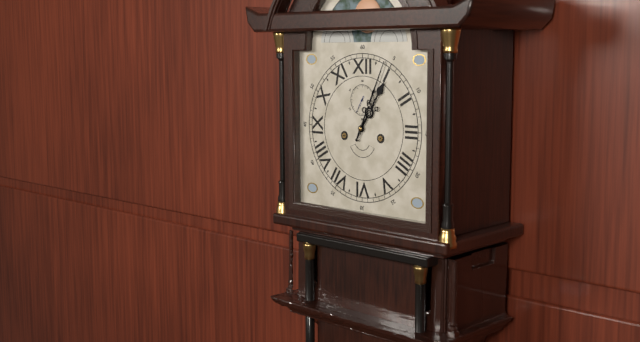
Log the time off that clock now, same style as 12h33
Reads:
1h04
